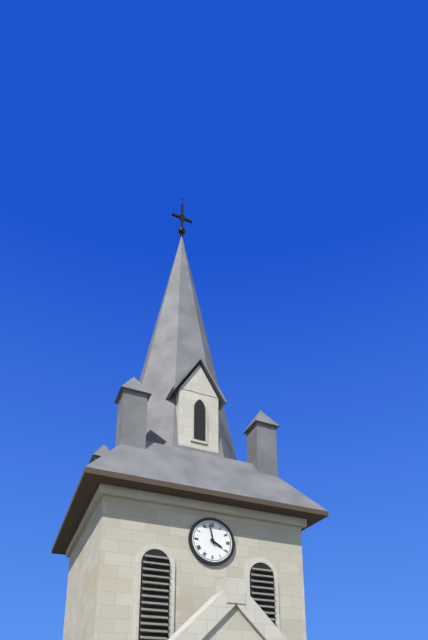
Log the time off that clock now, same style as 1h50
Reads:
3h58
